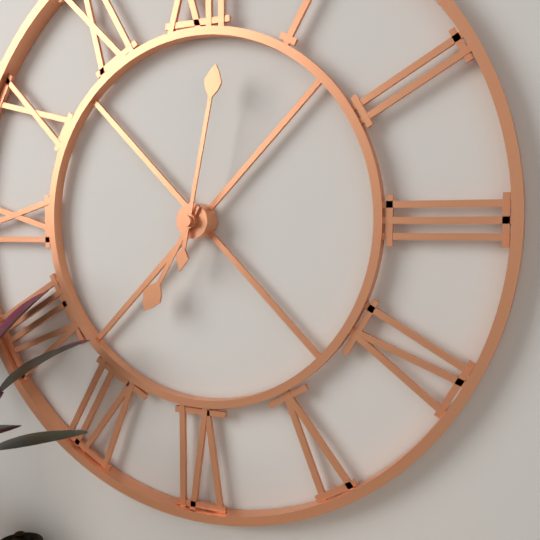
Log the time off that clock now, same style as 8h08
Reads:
7h02
